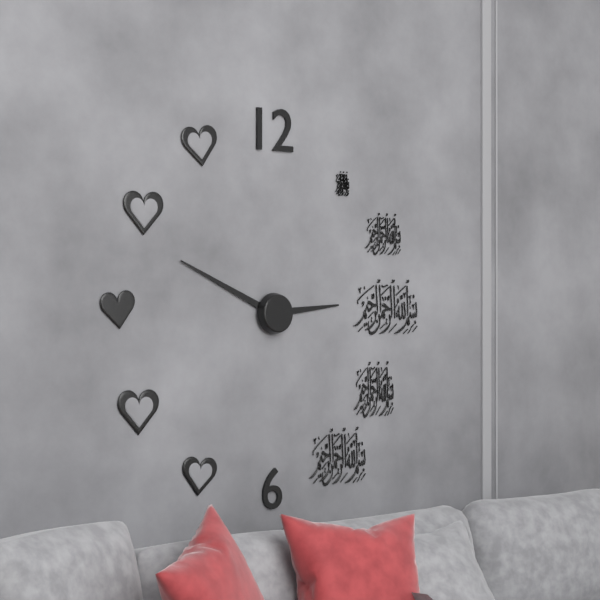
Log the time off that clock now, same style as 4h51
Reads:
2h49
